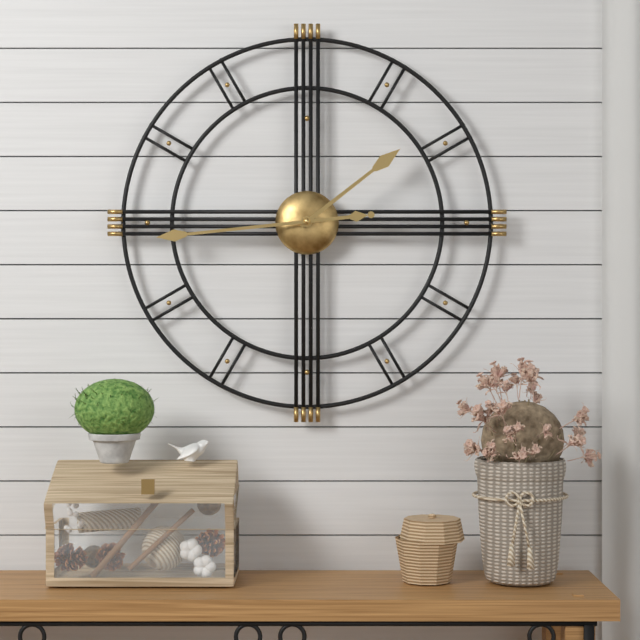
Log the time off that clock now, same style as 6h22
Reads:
1h44
